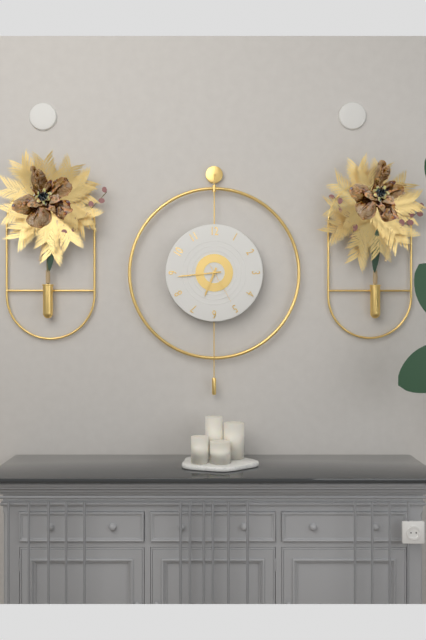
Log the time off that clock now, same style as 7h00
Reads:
6h44
